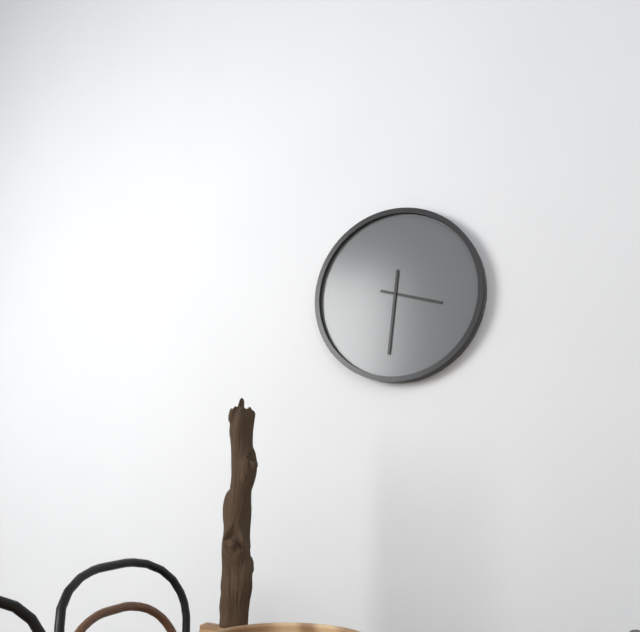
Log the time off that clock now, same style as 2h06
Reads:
3h31
